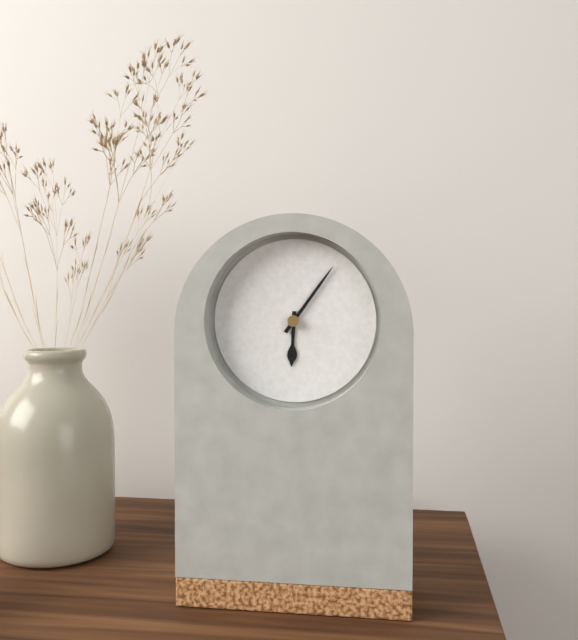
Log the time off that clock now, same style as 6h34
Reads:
6h06
